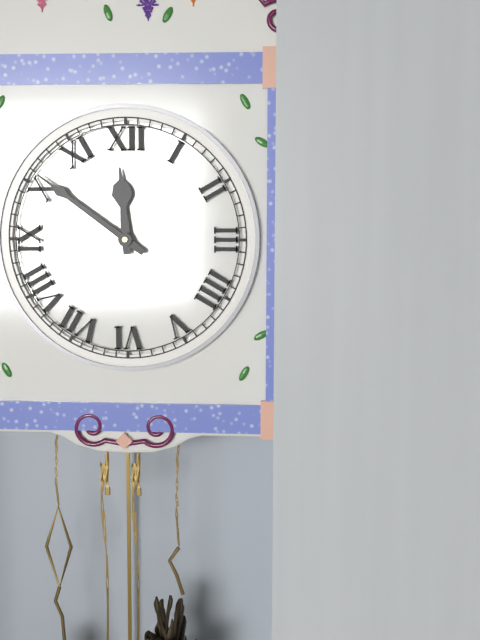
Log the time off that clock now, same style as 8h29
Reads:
11h51
